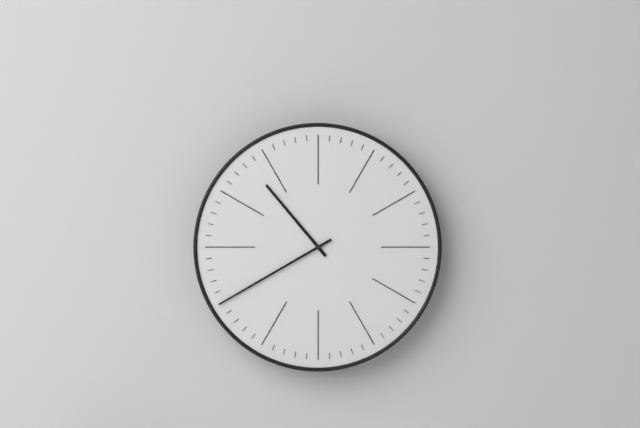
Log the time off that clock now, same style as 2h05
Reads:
10h40
